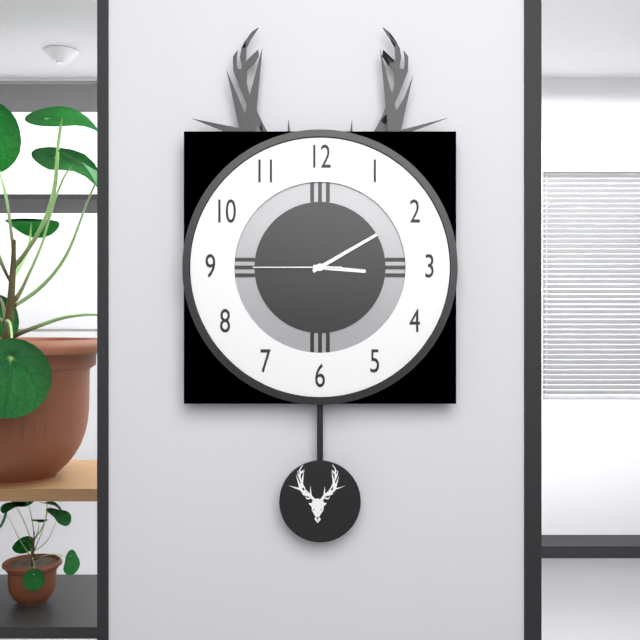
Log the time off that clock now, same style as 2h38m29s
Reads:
3h10m45s
